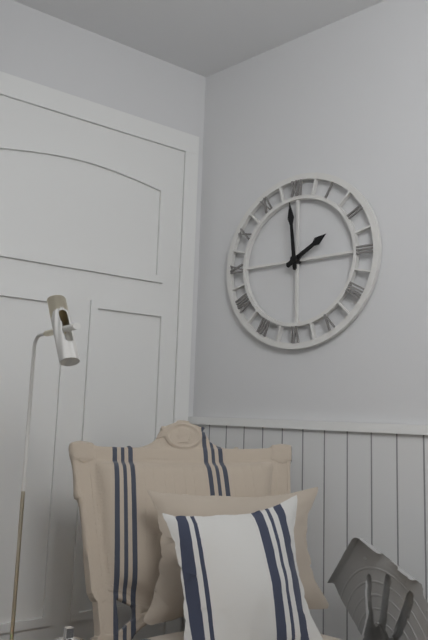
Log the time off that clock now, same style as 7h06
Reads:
1h59
